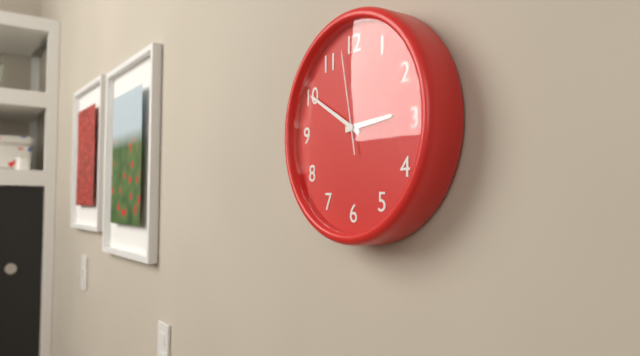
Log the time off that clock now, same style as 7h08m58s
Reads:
2h50m58s
